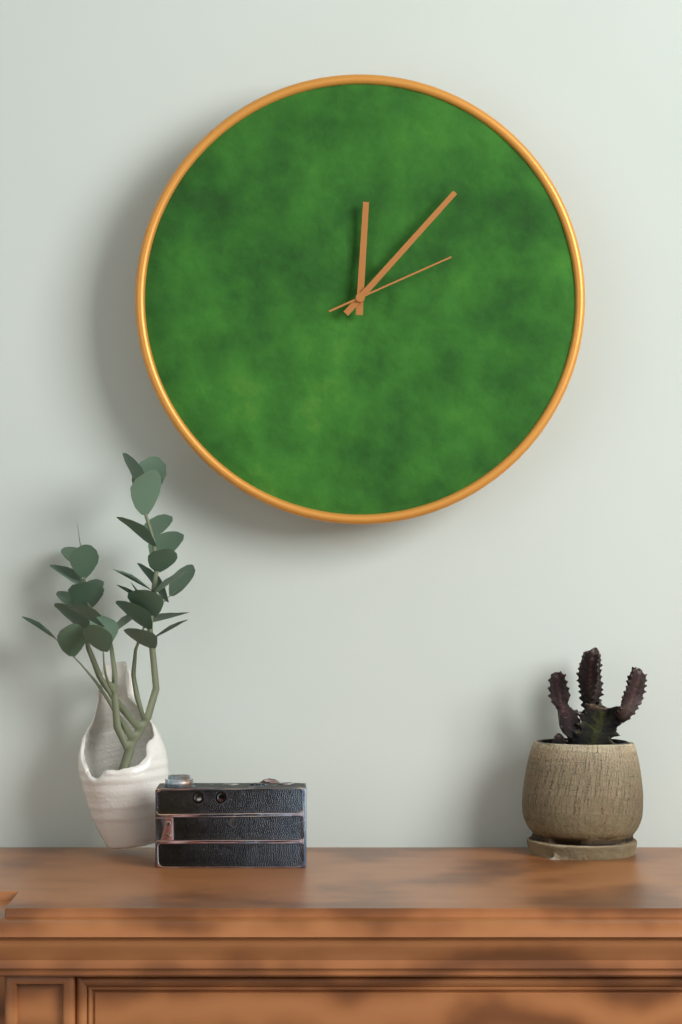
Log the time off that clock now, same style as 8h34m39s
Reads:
12h07m11s
